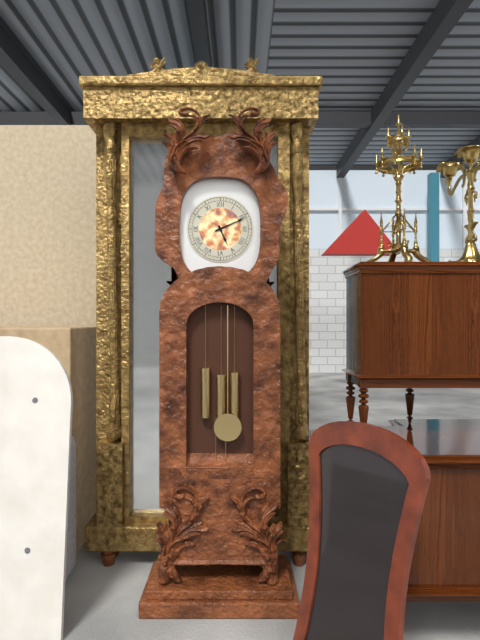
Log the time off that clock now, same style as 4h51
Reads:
5h11
